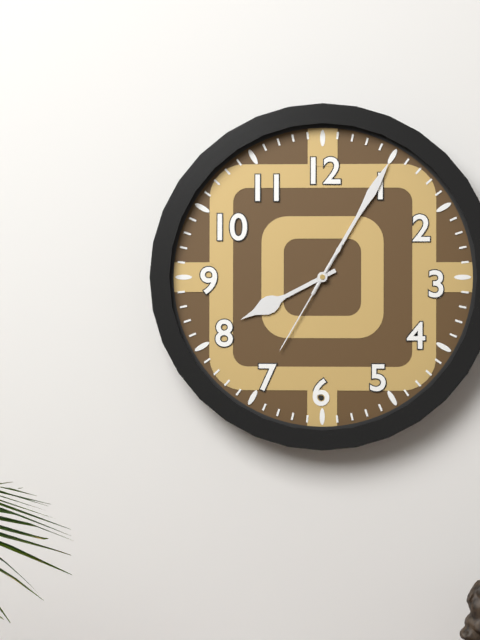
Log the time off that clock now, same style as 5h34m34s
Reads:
8h05m35s
